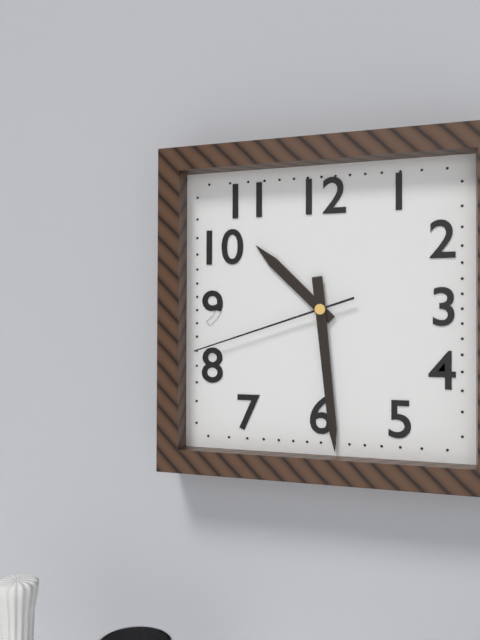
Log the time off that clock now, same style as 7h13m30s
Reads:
10h29m42s
